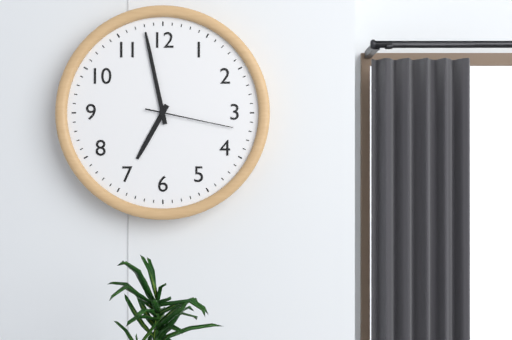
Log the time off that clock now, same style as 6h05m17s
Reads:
6h58m17s
